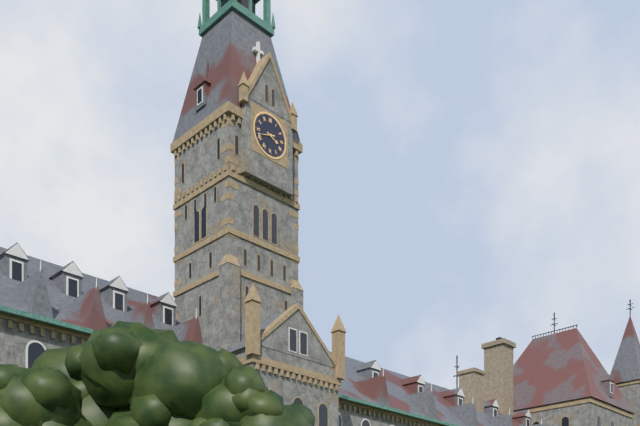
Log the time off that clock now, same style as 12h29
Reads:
3h42
